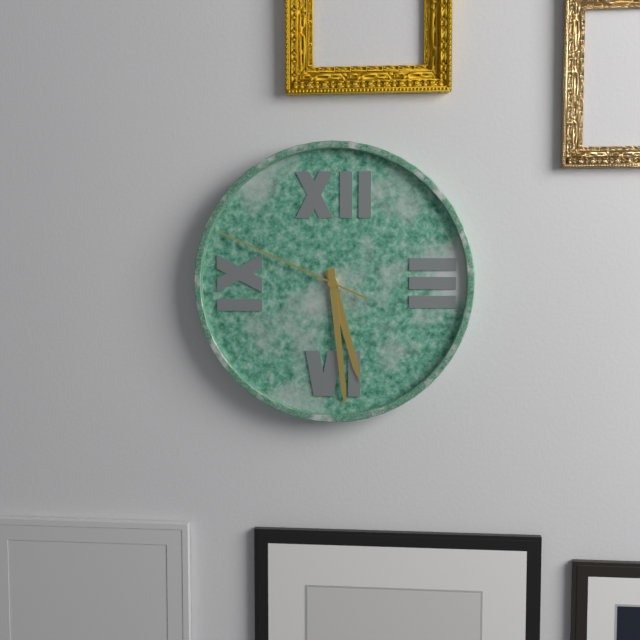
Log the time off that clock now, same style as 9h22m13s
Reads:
5h29m49s
